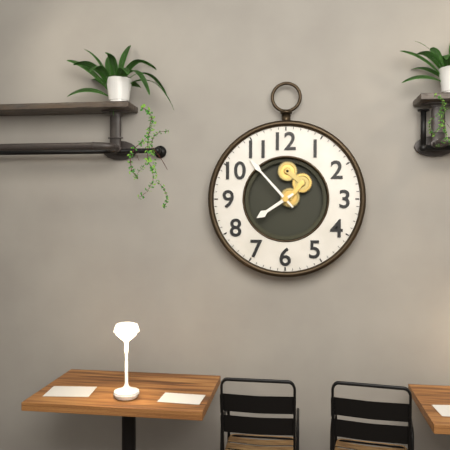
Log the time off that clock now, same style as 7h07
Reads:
7h53
